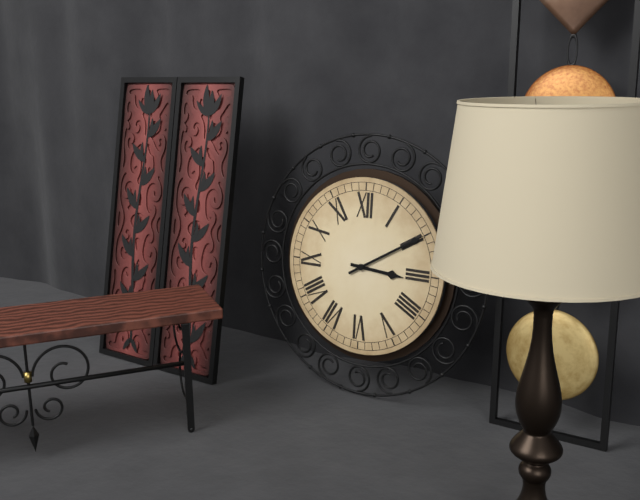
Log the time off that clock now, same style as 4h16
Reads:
3h10
